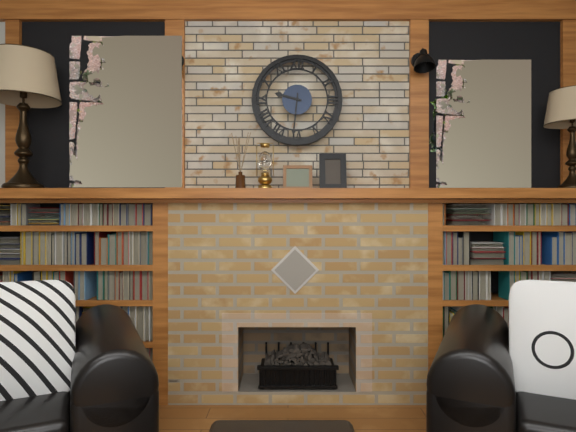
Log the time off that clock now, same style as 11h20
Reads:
9h31
